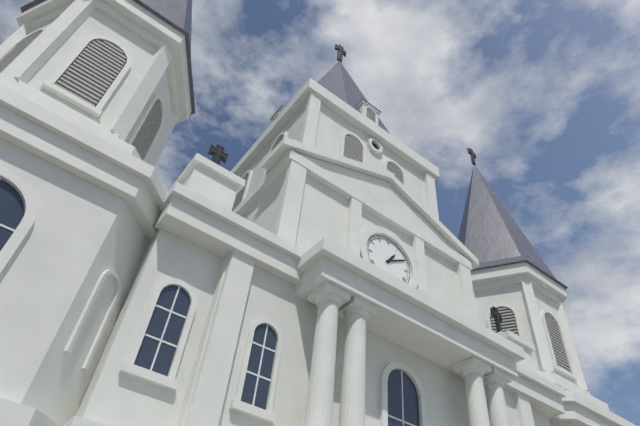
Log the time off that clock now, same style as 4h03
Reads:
1h10
